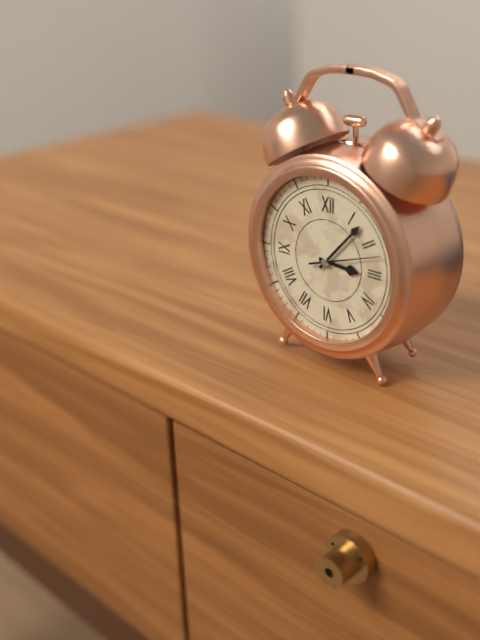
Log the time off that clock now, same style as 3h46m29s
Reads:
3h07m12s
